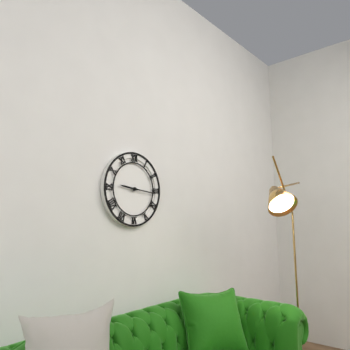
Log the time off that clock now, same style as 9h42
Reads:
9h16
